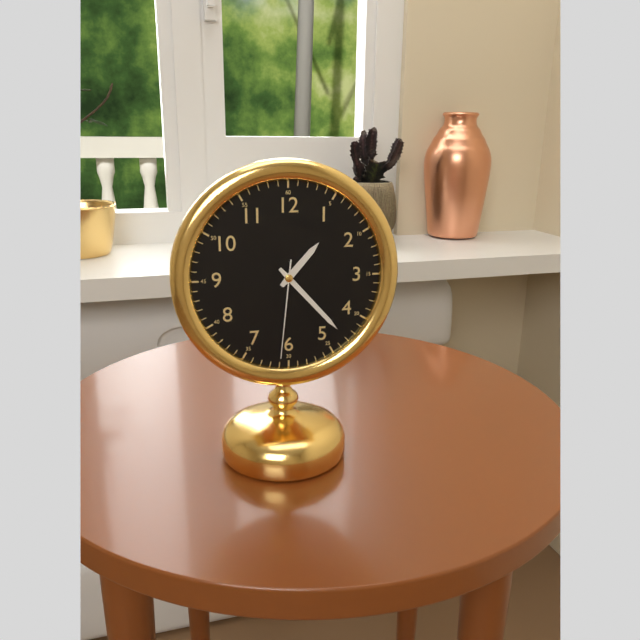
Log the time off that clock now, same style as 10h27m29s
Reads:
1h23m31s
